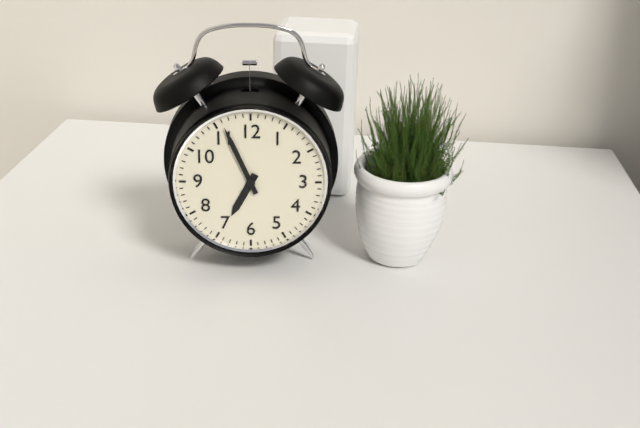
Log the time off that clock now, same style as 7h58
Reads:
6h56
